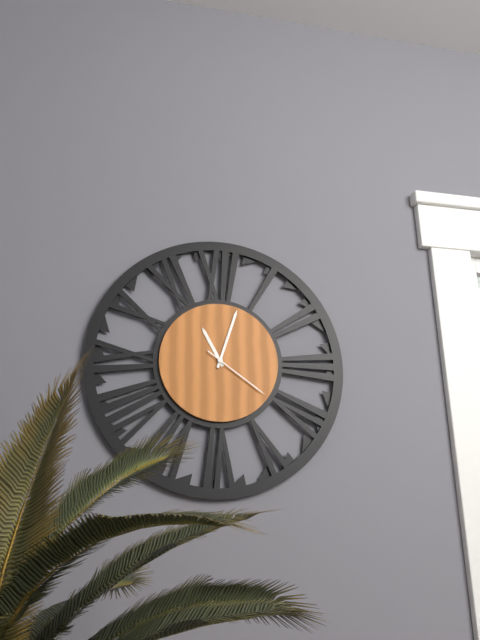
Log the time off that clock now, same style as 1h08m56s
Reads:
11h03m21s
